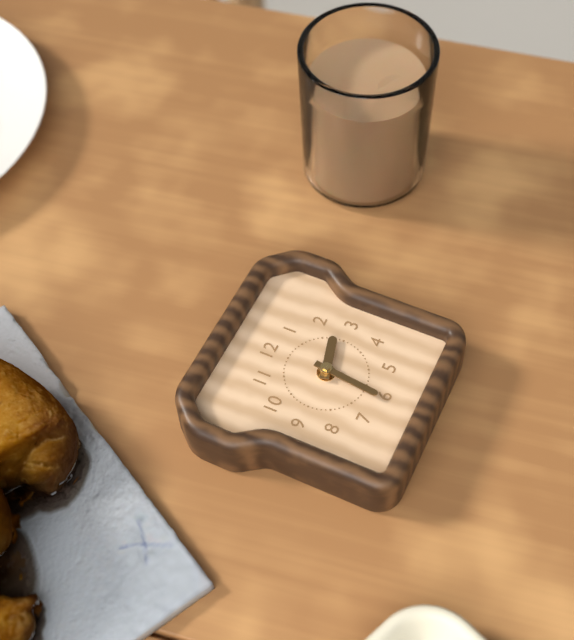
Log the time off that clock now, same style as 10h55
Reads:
2h31
